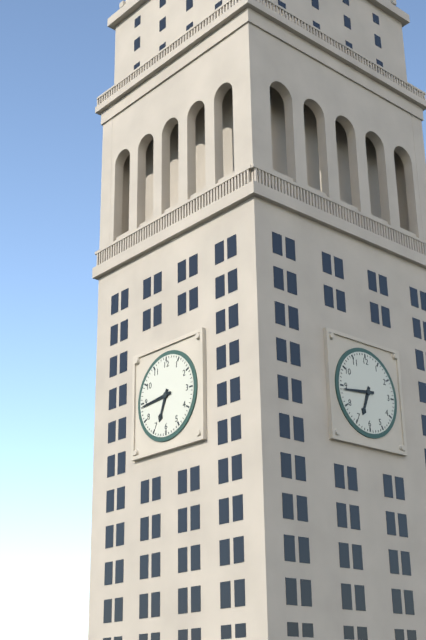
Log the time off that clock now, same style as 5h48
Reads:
6h44
